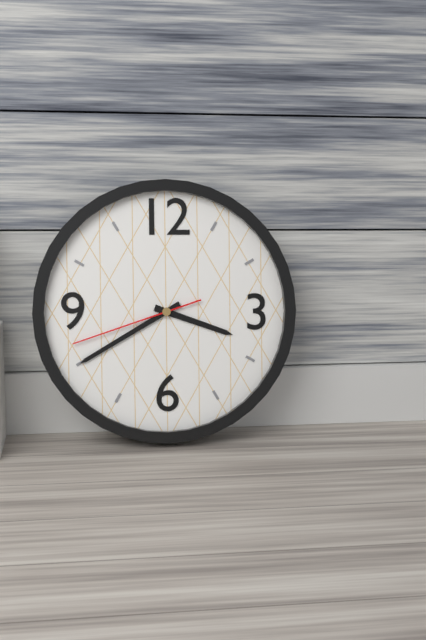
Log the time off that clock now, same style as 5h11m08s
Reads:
3h40m42s
